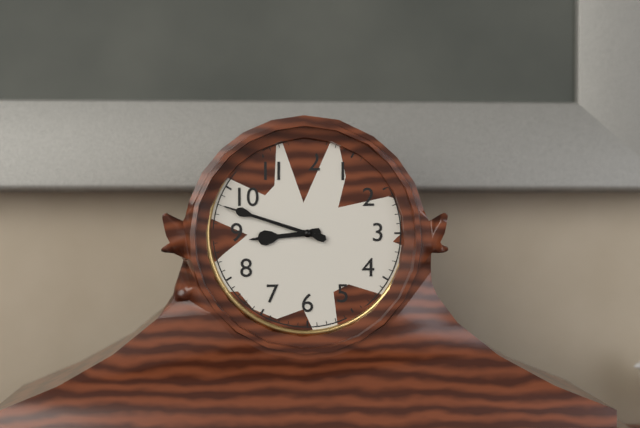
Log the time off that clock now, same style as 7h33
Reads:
8h48
